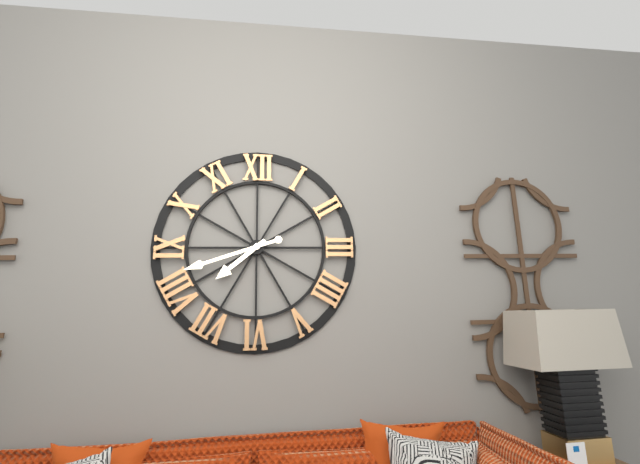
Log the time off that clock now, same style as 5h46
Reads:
7h42
